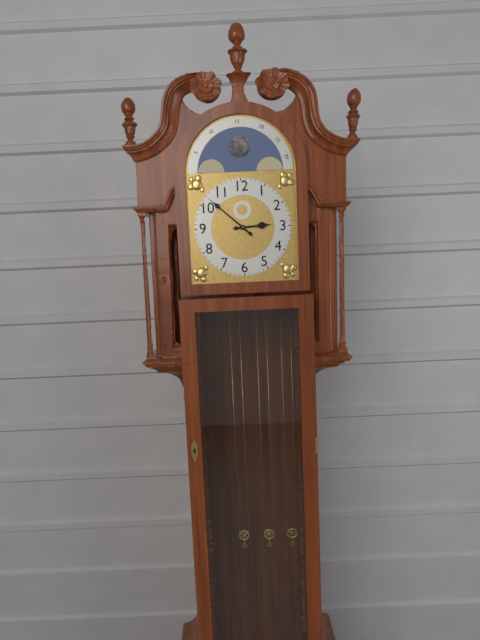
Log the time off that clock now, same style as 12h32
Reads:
2h52
